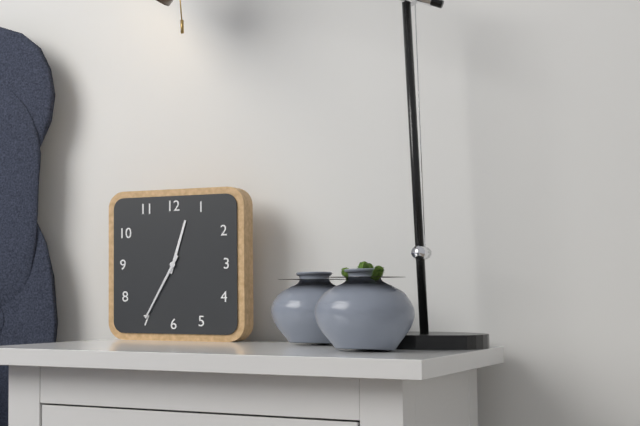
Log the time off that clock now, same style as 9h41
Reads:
12h35
